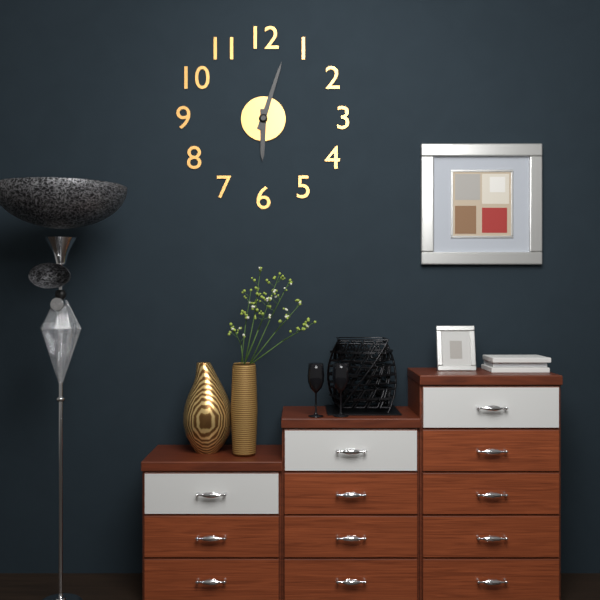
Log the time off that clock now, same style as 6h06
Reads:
6h03
